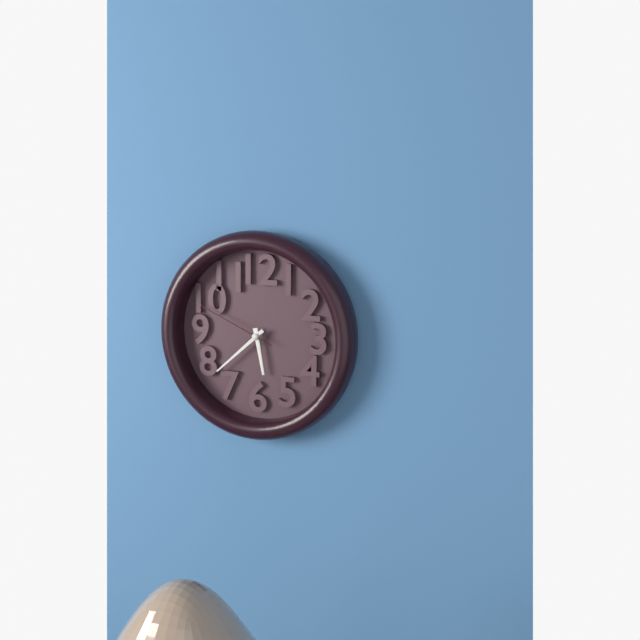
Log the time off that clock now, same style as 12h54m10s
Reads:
5h38m49s
